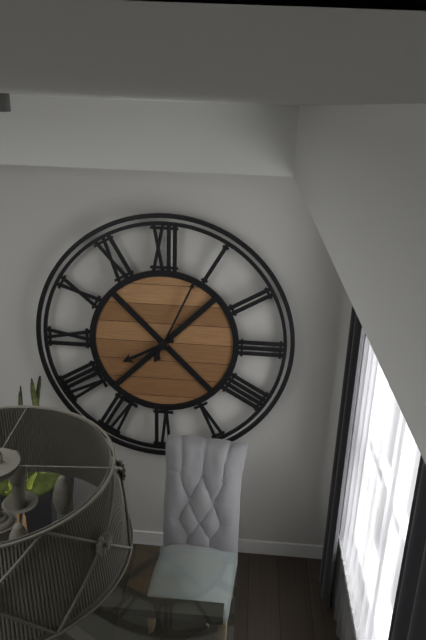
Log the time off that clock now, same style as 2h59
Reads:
8h04
